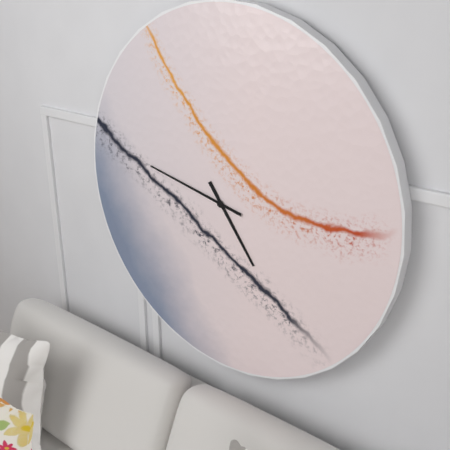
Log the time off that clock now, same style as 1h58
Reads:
4h47
